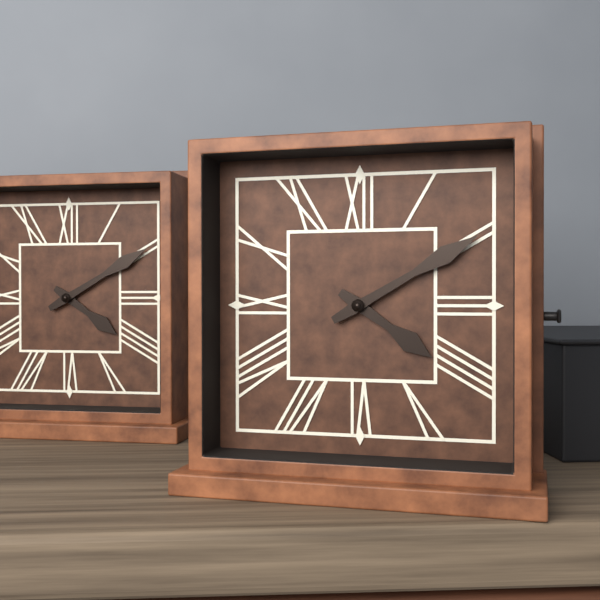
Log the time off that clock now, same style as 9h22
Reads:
4h10
